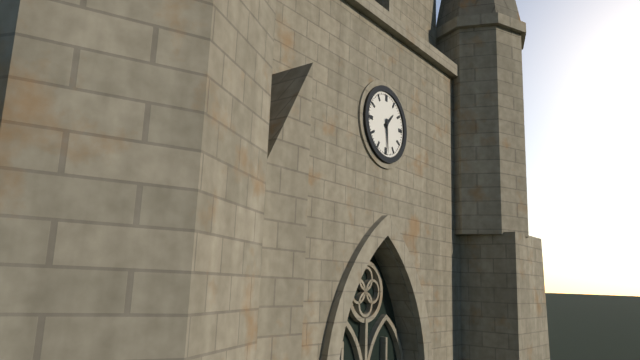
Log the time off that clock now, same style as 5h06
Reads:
1h29
